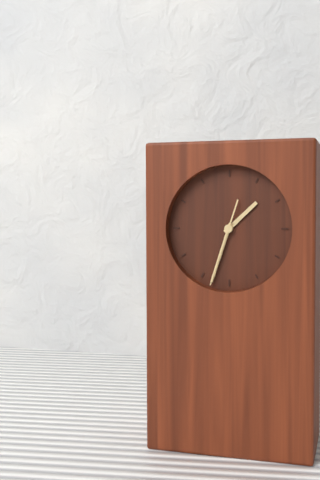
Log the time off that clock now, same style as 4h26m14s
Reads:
1h33m33s
